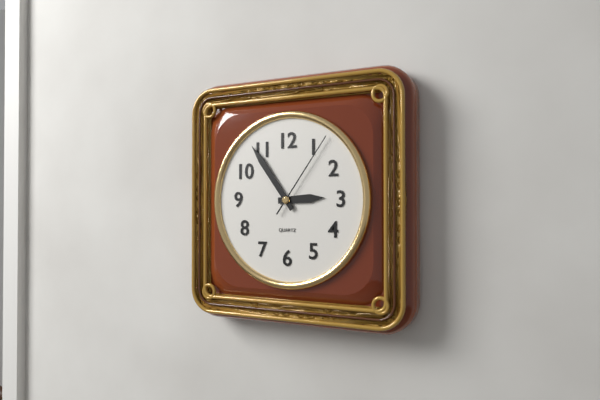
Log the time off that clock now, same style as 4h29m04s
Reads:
2h54m06s
